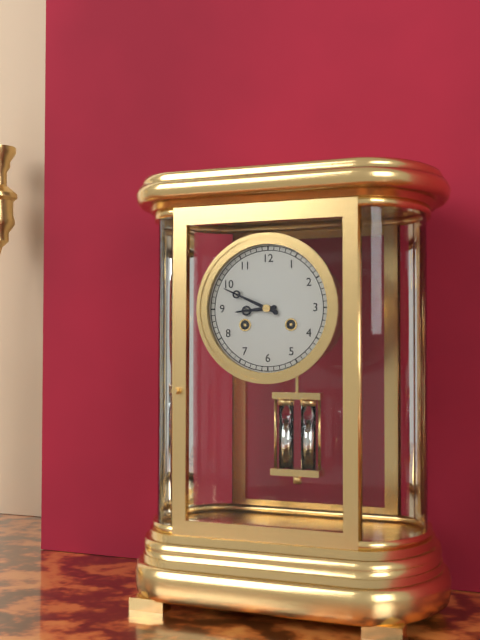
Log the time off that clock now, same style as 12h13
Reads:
8h49
